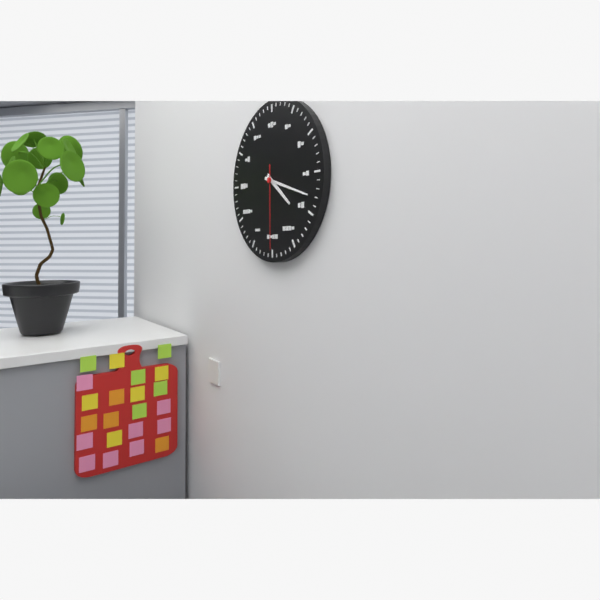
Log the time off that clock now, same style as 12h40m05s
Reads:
4h18m30s
